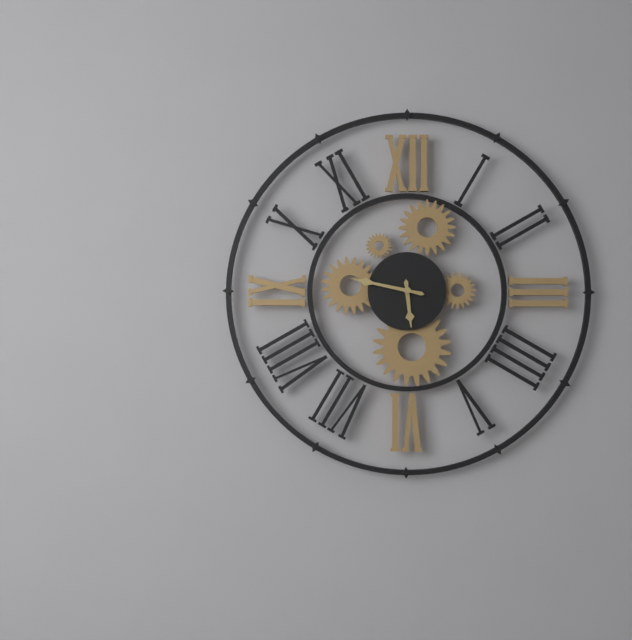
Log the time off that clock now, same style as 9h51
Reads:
5h47
